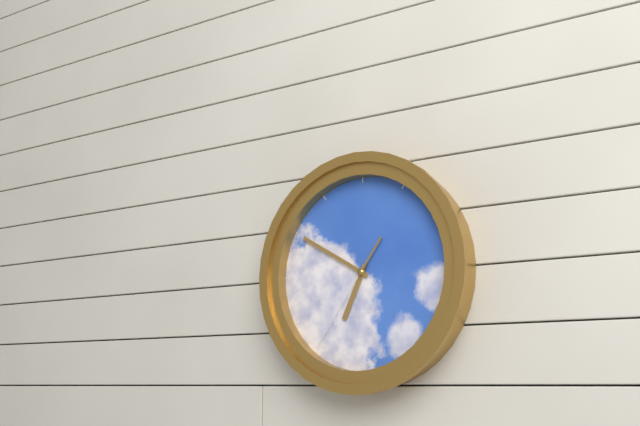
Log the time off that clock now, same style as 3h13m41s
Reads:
6h50m36s
